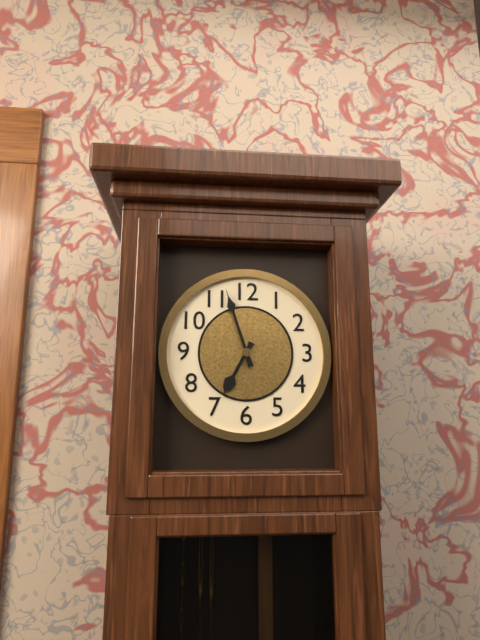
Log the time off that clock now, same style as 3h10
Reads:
6h57
